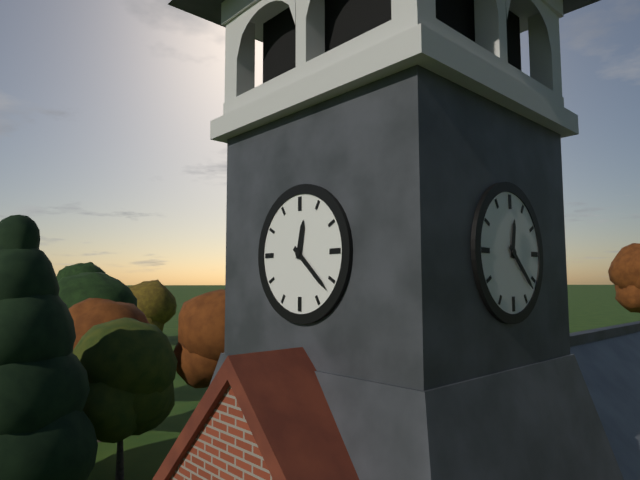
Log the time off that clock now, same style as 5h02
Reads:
12h22
